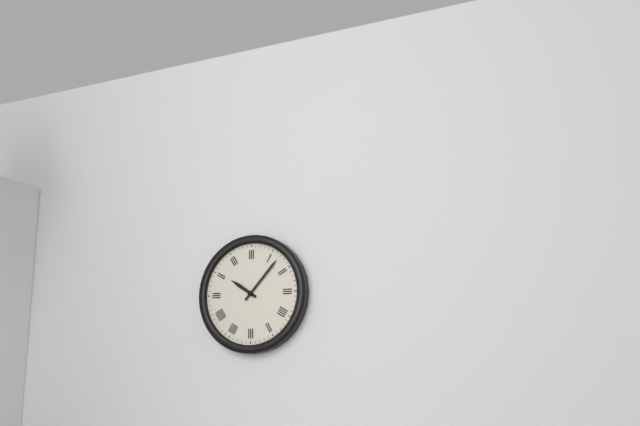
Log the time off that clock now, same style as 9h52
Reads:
10h07
